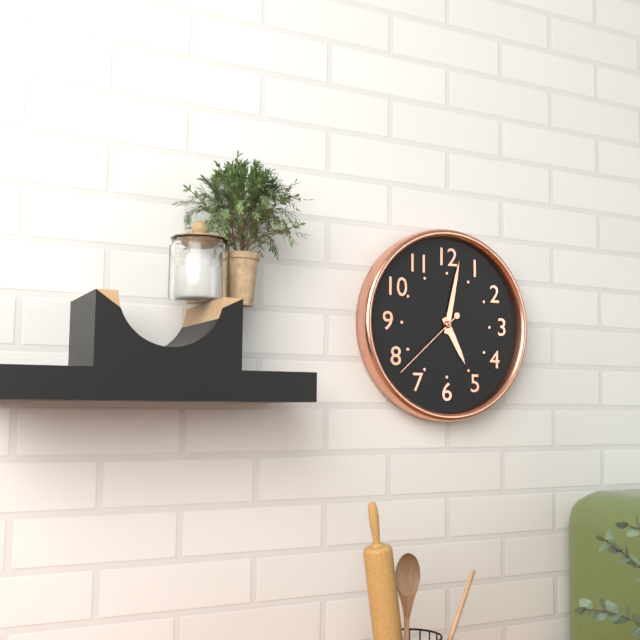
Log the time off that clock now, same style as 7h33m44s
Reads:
5h02m38s
